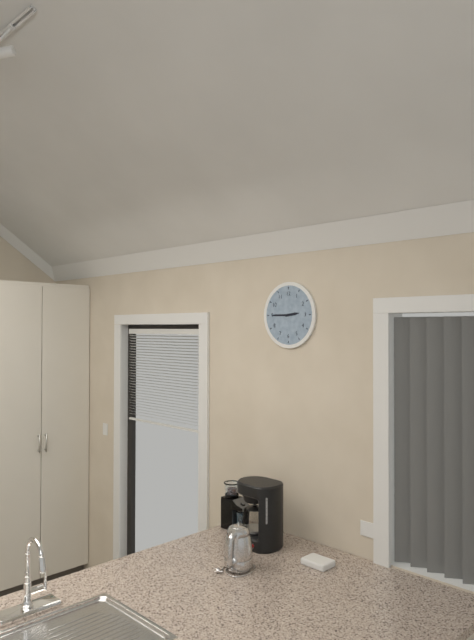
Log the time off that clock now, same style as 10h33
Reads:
2h45
